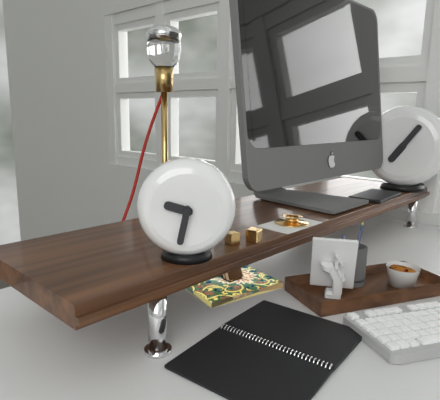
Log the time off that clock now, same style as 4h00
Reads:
9h32
